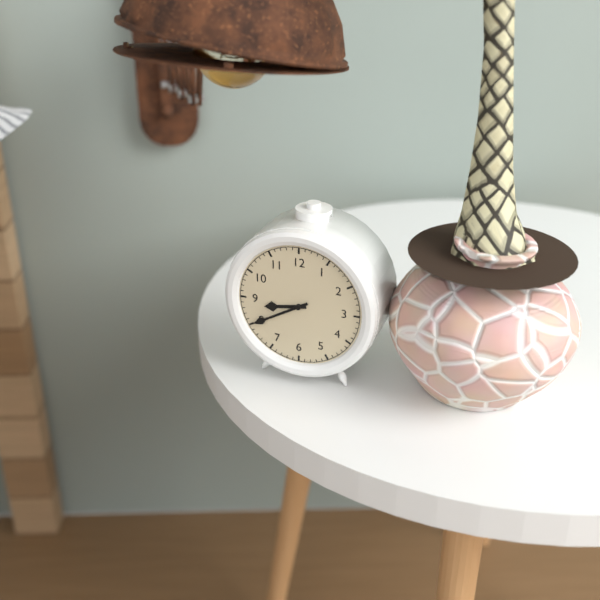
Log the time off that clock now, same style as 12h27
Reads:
8h40
